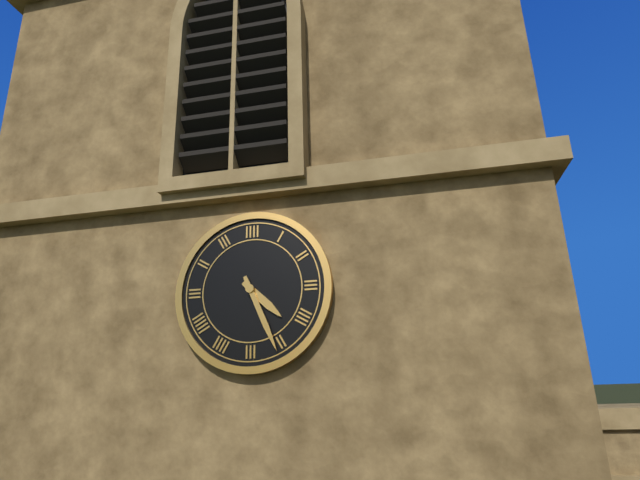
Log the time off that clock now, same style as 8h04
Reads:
4h26
